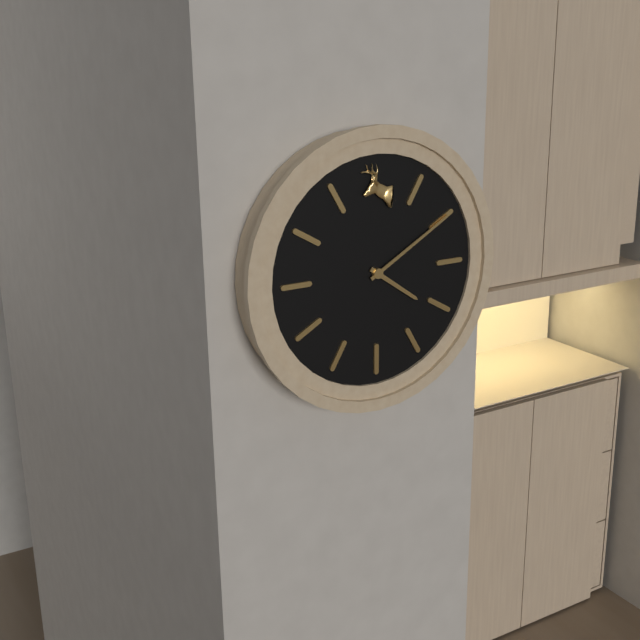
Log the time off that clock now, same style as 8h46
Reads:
4h10
